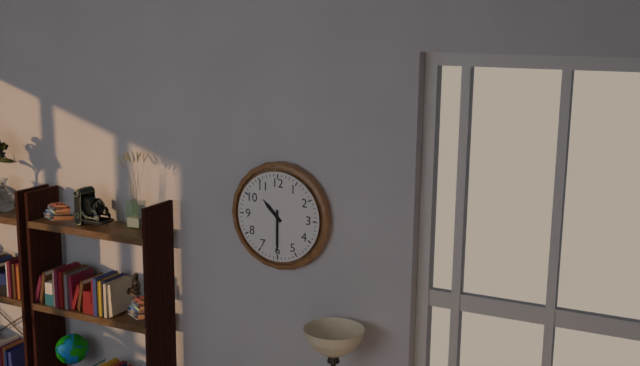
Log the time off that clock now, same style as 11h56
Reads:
10h30
